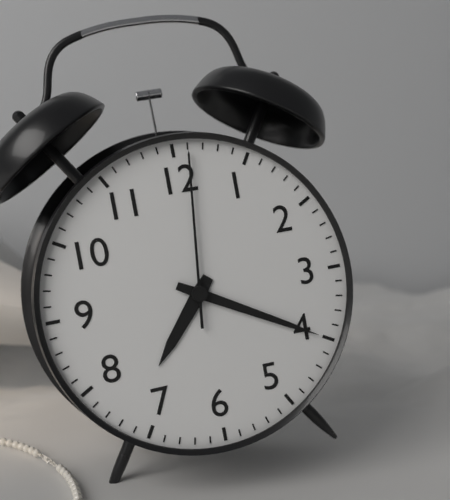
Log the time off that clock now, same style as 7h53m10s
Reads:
7h20m01s
